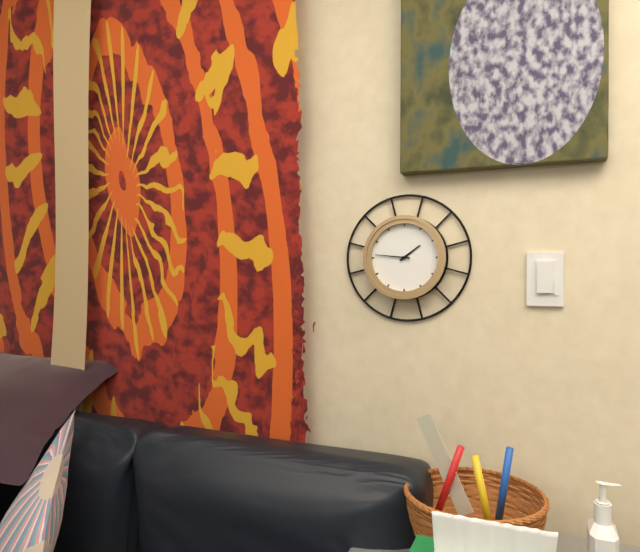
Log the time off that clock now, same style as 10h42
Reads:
1h46
